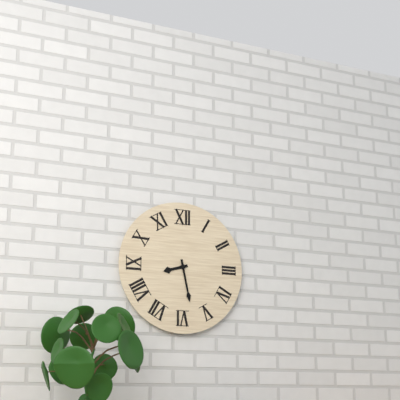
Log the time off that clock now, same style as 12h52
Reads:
8h28
